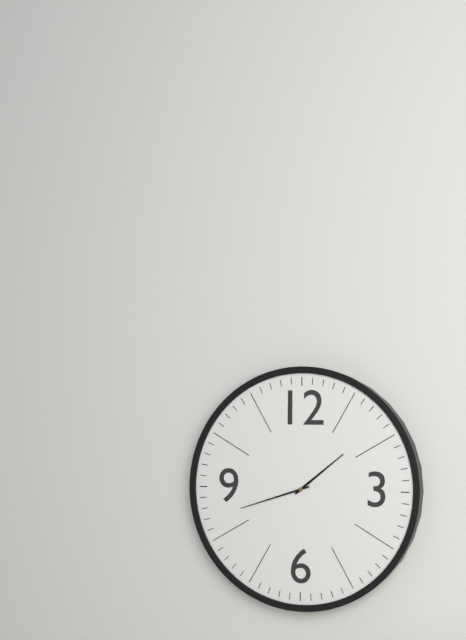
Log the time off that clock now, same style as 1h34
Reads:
1h42
